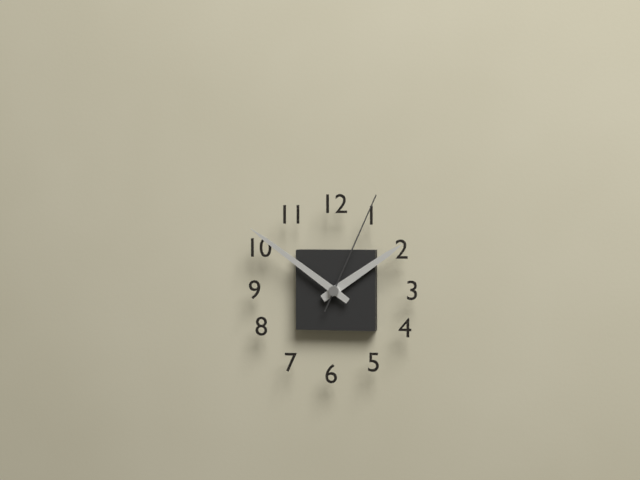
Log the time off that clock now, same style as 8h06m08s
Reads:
1h51m04s
